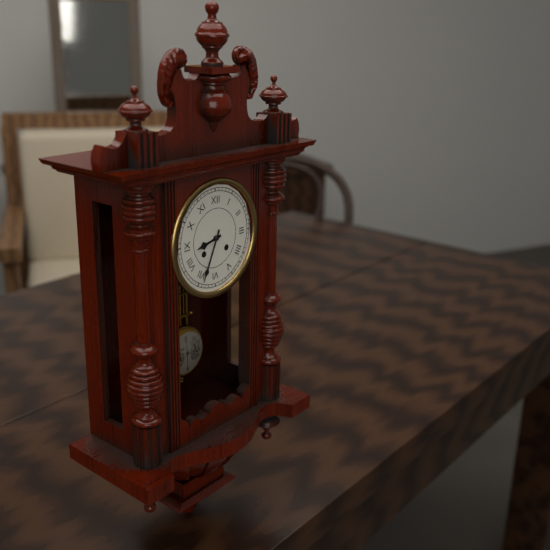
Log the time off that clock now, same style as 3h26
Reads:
8h34
